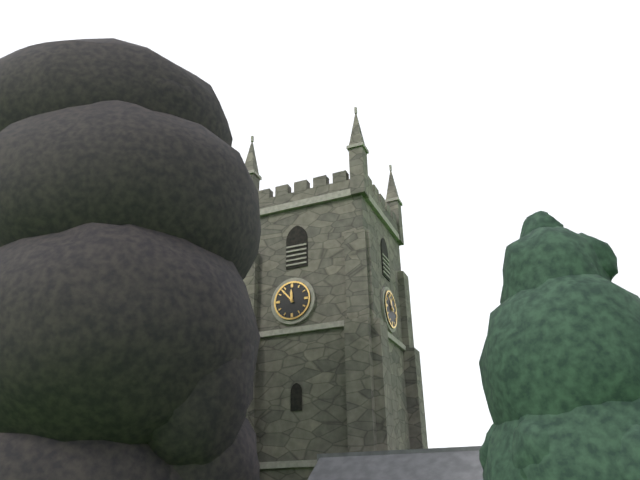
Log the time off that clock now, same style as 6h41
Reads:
11h53
